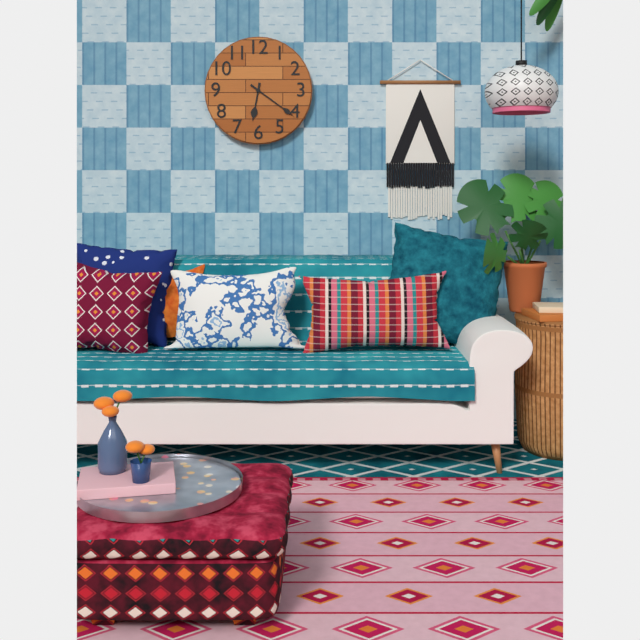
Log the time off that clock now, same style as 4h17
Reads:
6h21
